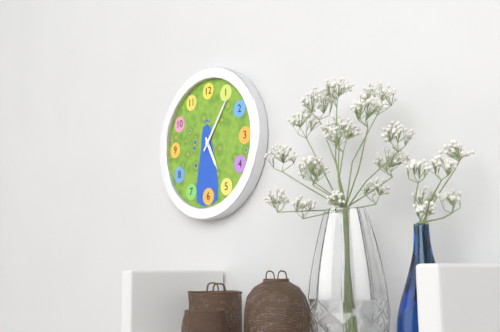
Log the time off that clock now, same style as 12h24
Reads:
5h06
